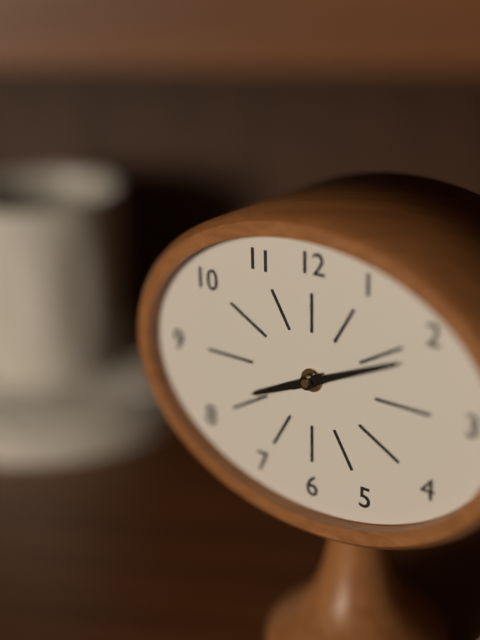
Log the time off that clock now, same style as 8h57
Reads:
8h11
